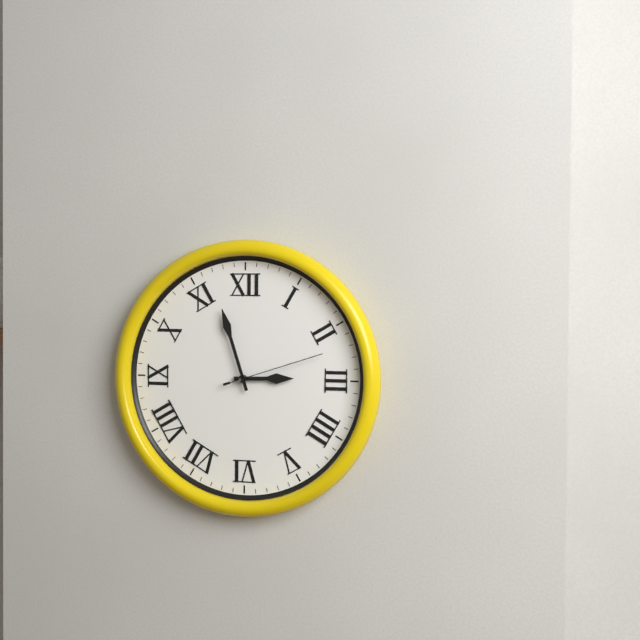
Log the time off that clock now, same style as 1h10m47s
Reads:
2h57m12s
